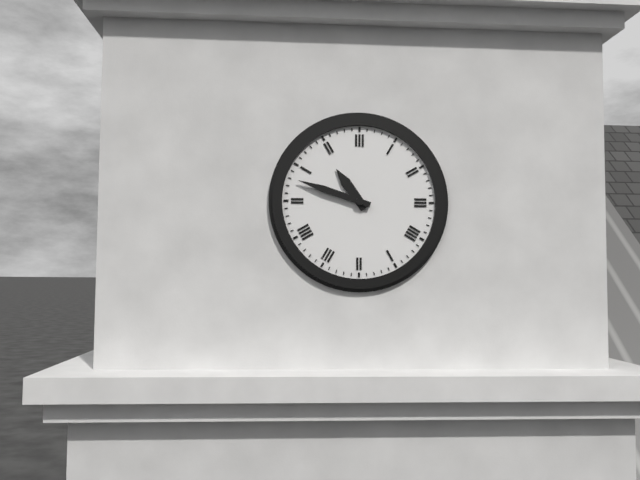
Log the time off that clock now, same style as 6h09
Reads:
10h48
